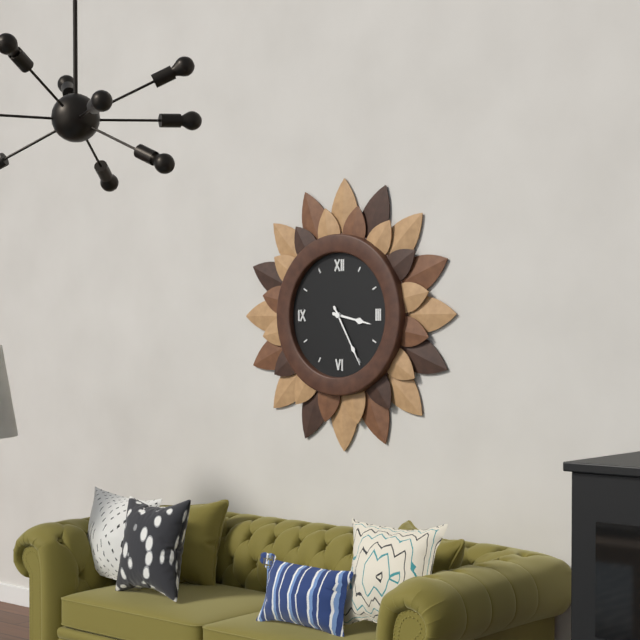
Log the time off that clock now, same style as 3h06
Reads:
3h25
